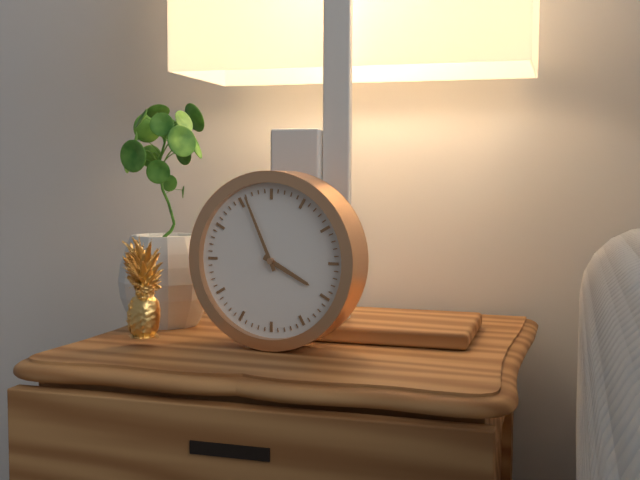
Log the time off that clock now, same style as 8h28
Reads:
3h56
